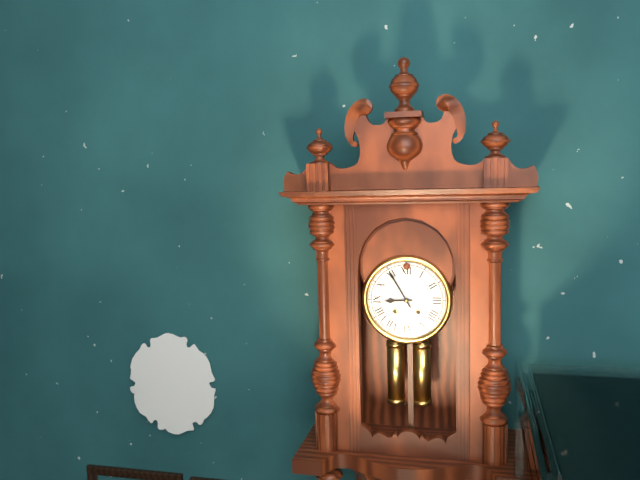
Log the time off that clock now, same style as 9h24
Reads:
8h55
